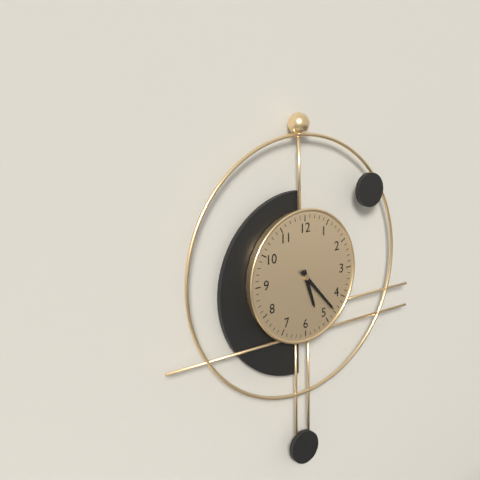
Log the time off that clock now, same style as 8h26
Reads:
5h23
